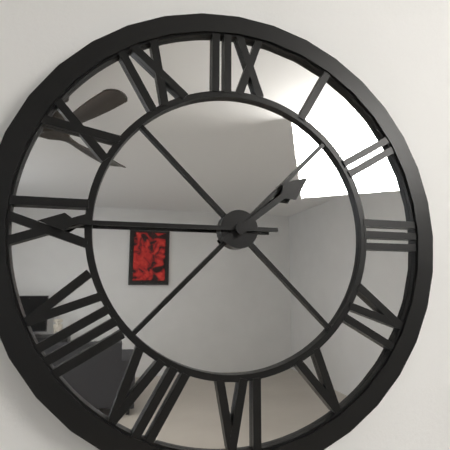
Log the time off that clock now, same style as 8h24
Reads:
1h45
